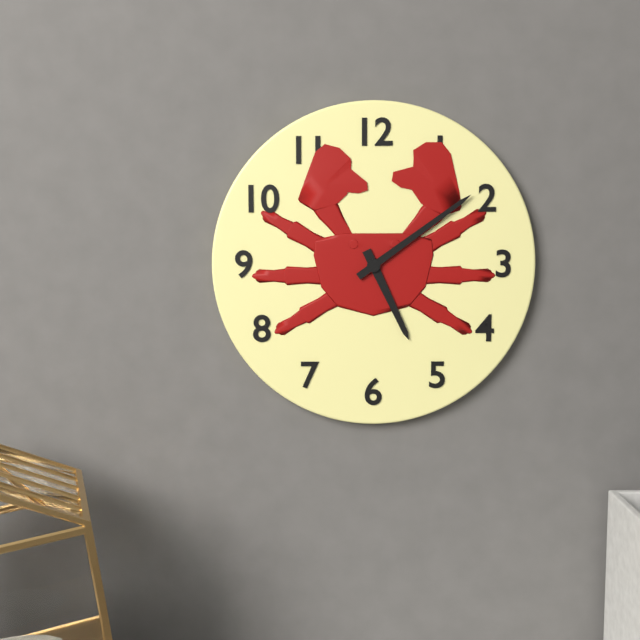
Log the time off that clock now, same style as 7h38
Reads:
5h09
